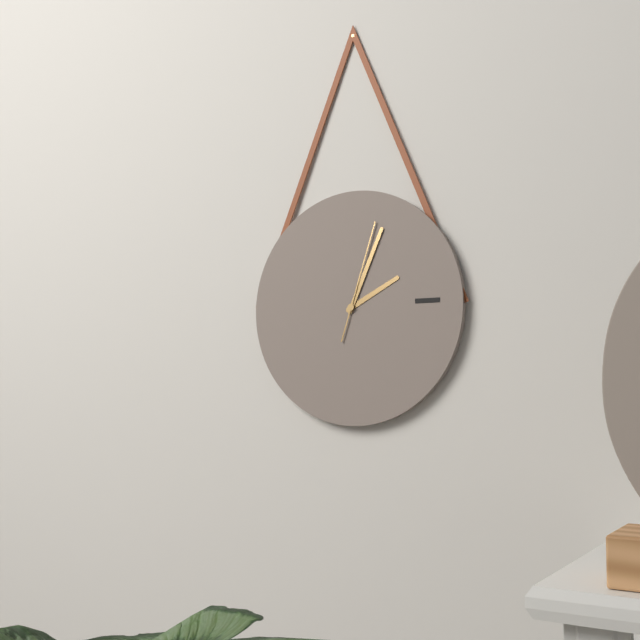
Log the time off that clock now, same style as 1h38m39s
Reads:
2h04m03s
